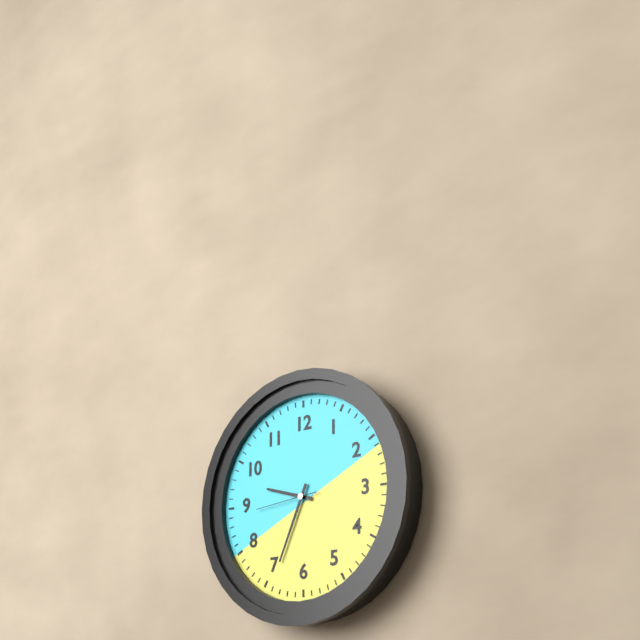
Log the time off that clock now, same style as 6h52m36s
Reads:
9h34m44s
